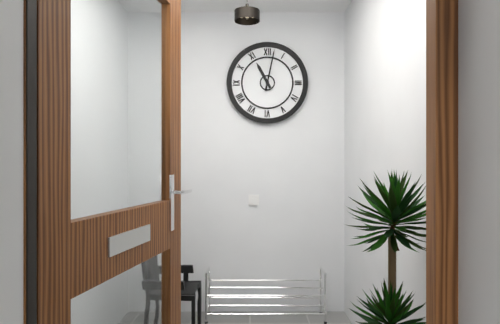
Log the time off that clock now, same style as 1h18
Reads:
11h02
